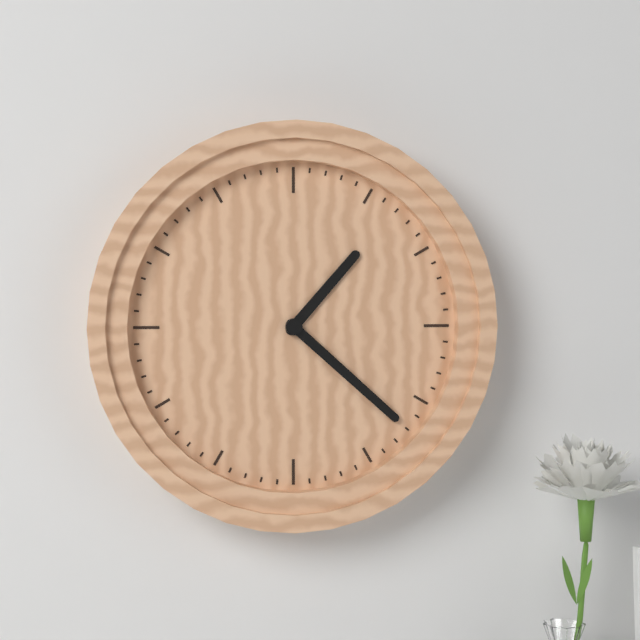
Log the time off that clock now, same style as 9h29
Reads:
1h22
